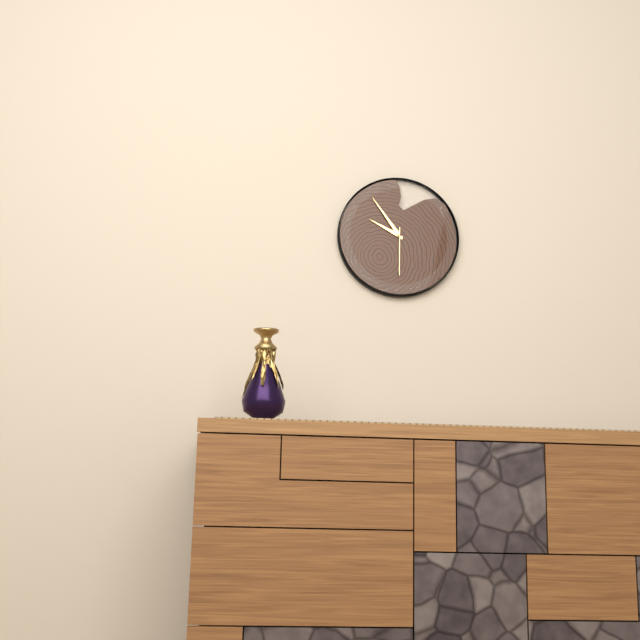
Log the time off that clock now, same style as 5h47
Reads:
9h54
